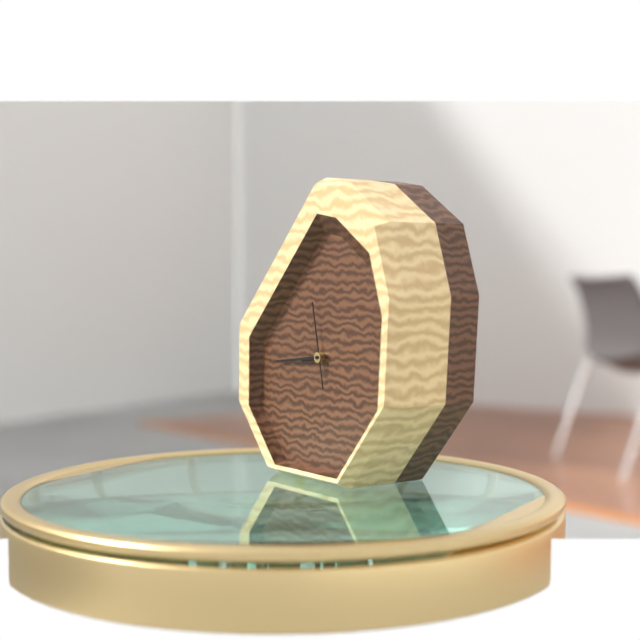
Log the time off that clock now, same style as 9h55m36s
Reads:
8h44m58s
